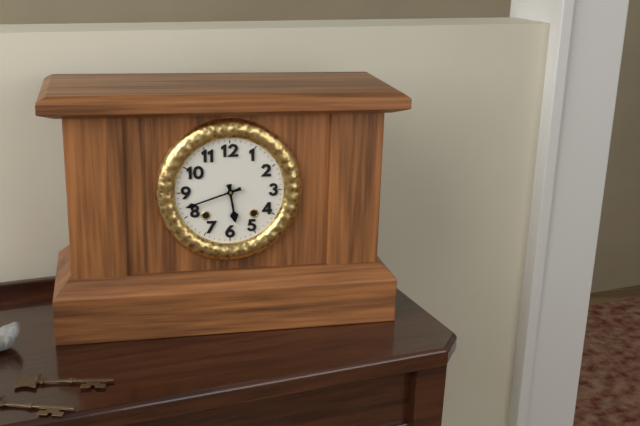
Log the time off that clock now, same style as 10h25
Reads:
5h42
